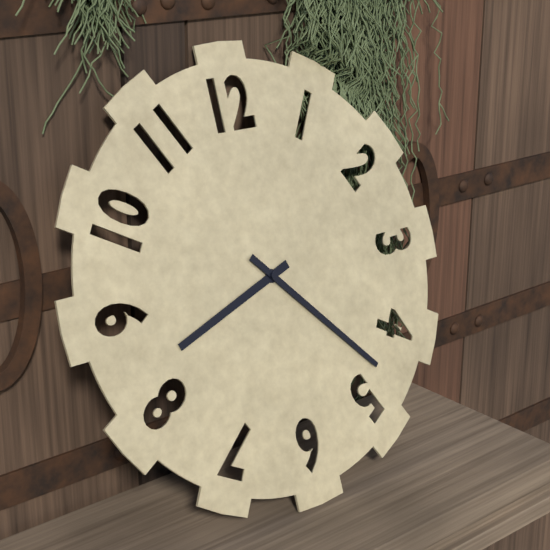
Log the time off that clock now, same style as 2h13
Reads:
8h23
